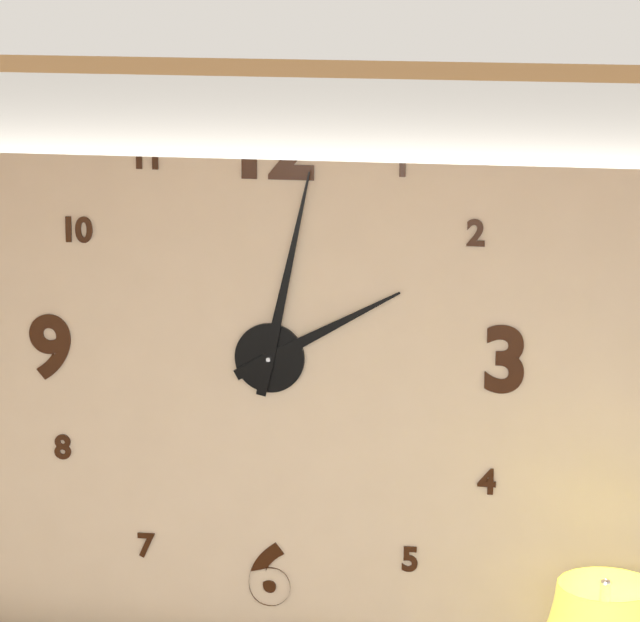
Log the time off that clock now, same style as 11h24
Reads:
2h02
